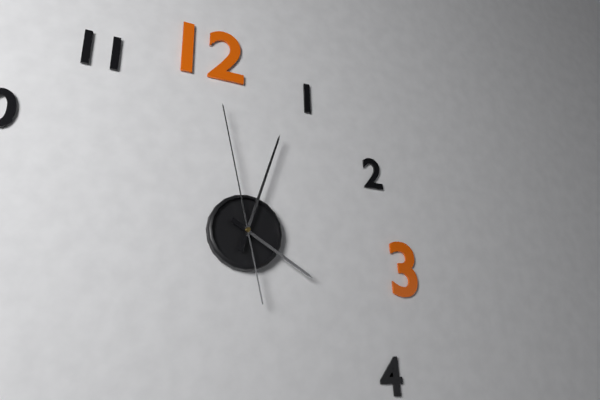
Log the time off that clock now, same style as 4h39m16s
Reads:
4h03m58s
